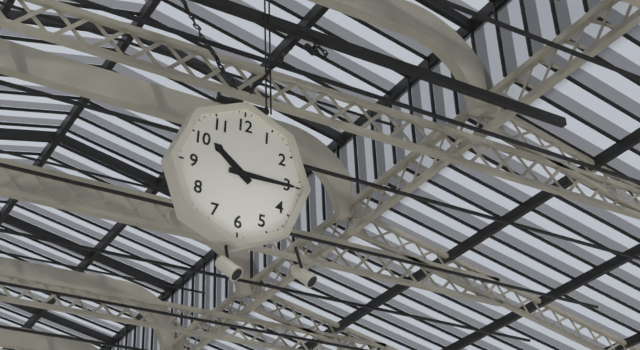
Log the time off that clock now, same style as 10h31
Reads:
10h15
